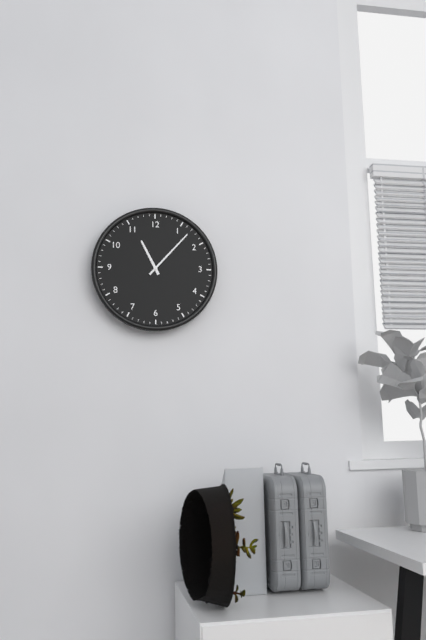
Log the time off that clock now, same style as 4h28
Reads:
11h07
